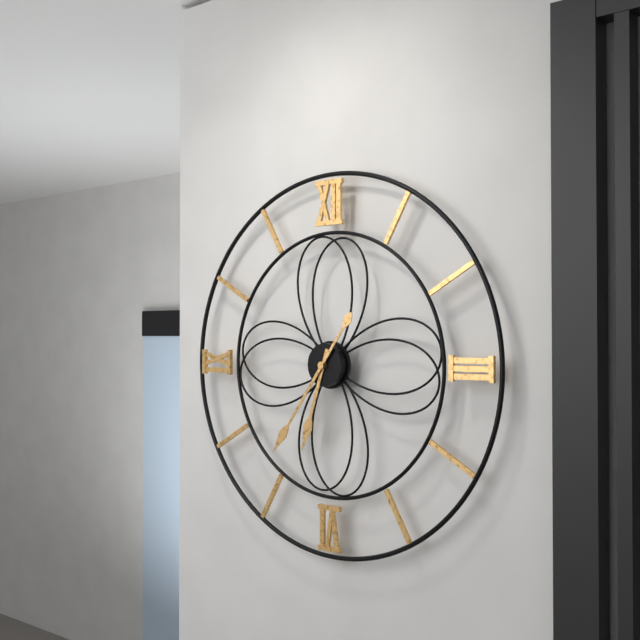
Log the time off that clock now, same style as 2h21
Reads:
6h36
